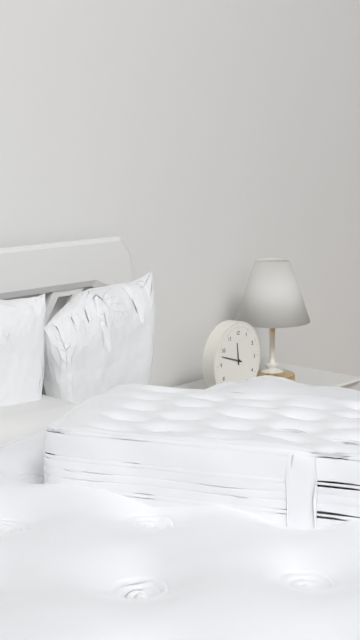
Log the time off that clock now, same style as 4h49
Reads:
11h48
